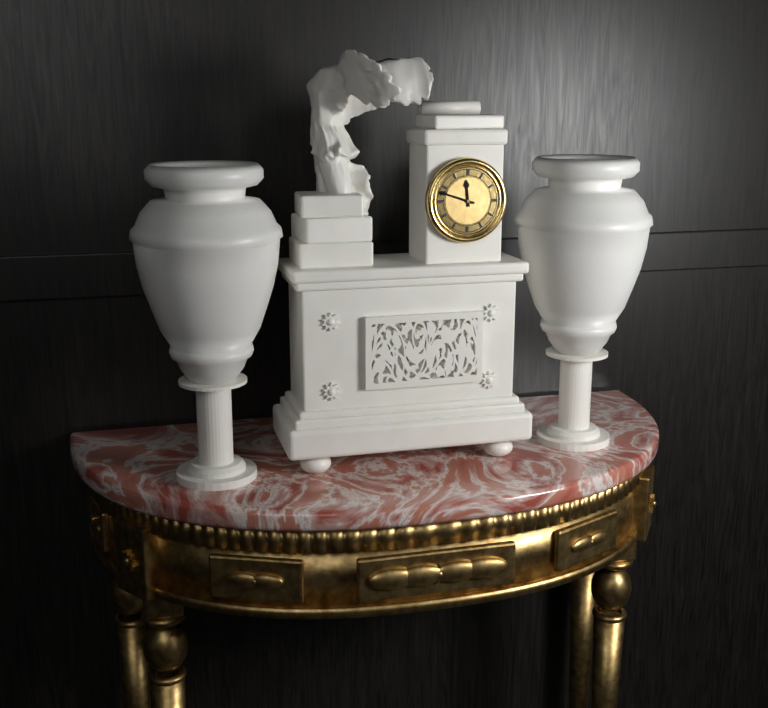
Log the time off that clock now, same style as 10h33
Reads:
11h48
